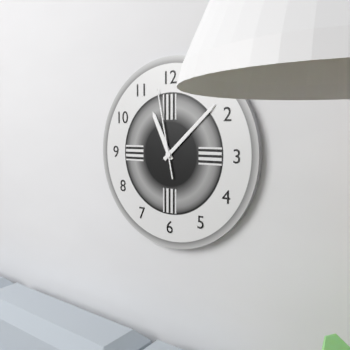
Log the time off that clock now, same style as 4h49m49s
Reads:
11h08m58s
